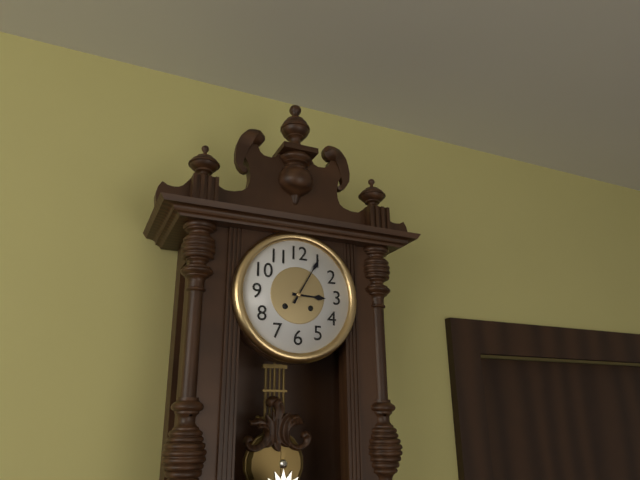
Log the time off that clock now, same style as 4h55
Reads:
3h05
